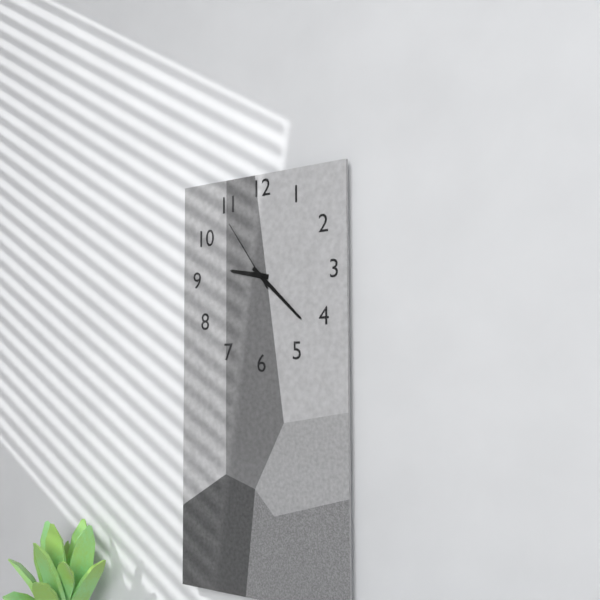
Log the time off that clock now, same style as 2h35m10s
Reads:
9h22m54s
